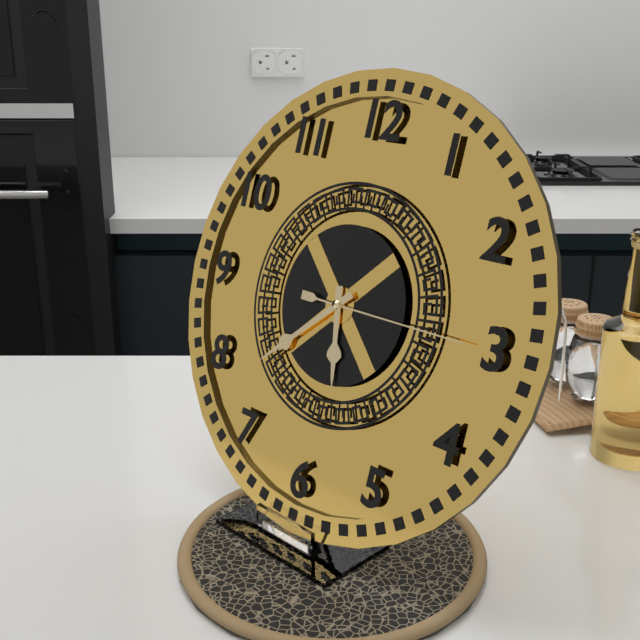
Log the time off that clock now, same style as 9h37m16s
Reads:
5h38m15s
